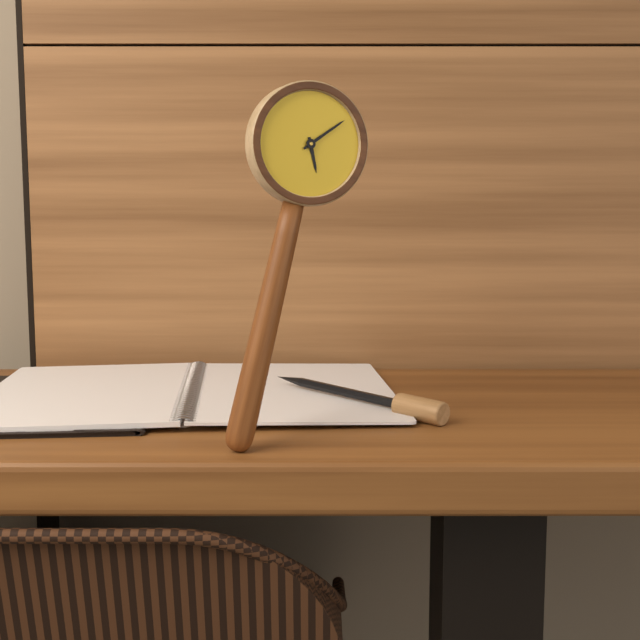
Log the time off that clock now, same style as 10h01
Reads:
5h07
